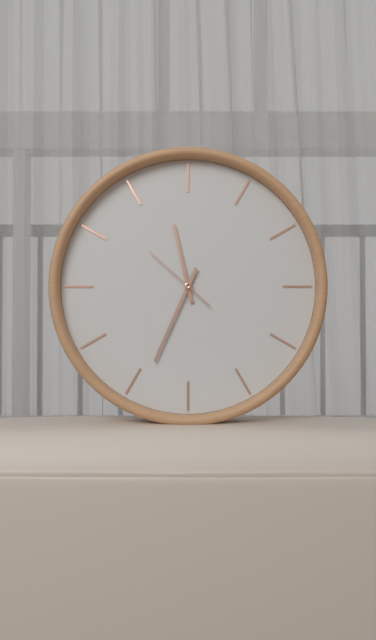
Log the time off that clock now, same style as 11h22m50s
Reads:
11h34m52s
